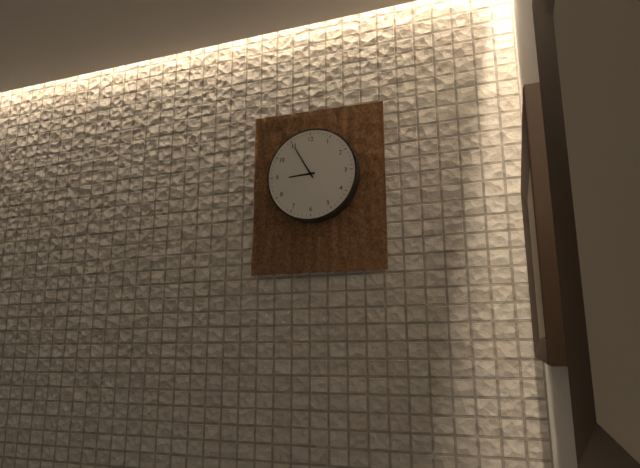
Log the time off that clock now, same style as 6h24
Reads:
8h55
